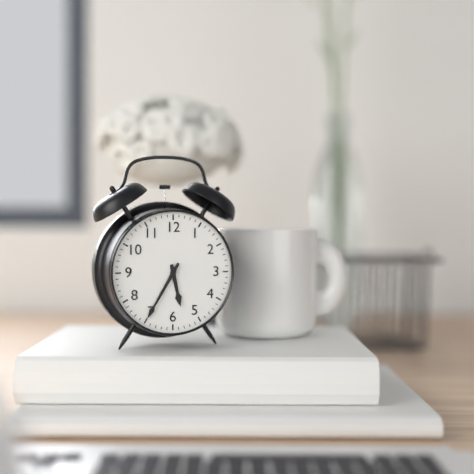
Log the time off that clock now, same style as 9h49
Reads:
5h35
